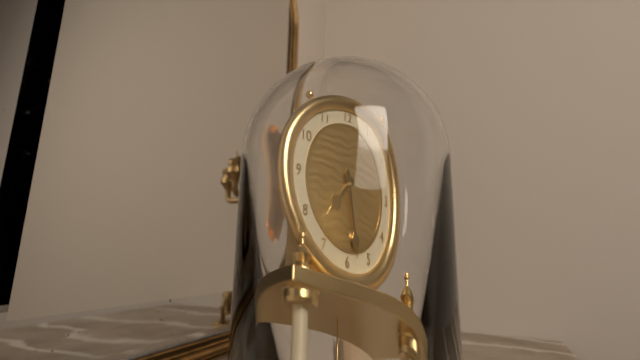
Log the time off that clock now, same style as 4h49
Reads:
7h28
